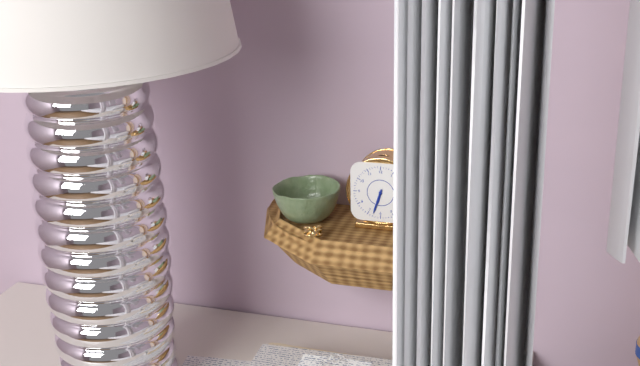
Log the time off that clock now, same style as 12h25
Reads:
6h33
